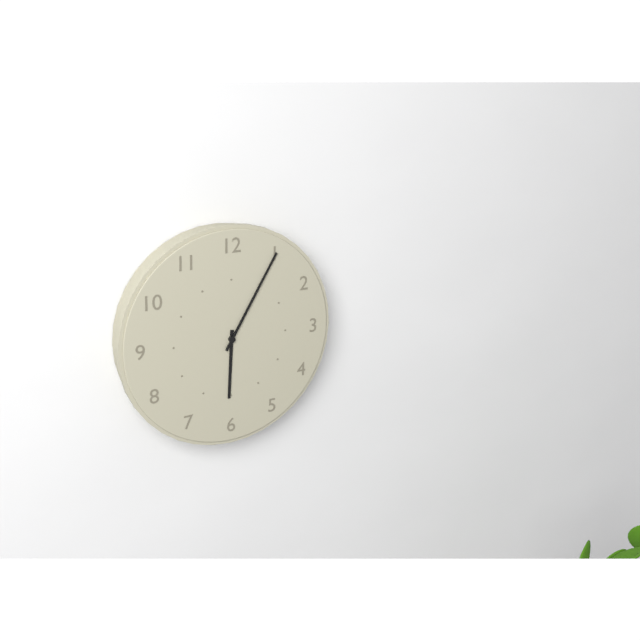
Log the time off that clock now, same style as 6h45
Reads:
6h05
